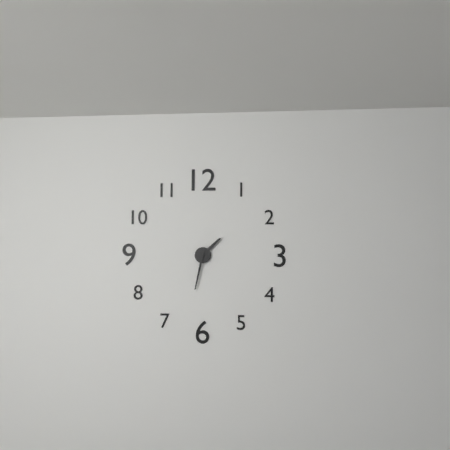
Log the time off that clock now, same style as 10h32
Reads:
1h32
